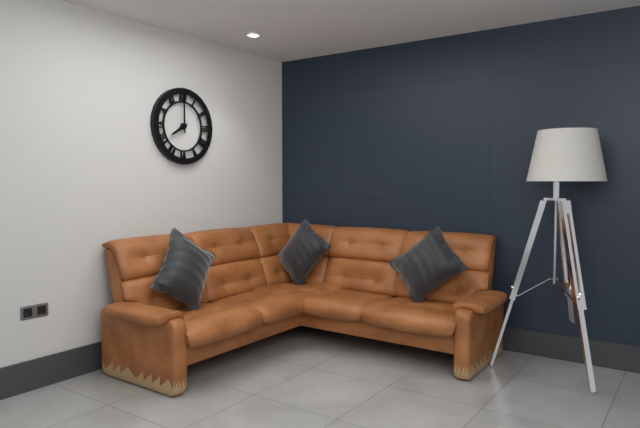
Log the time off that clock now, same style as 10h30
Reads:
8h00
